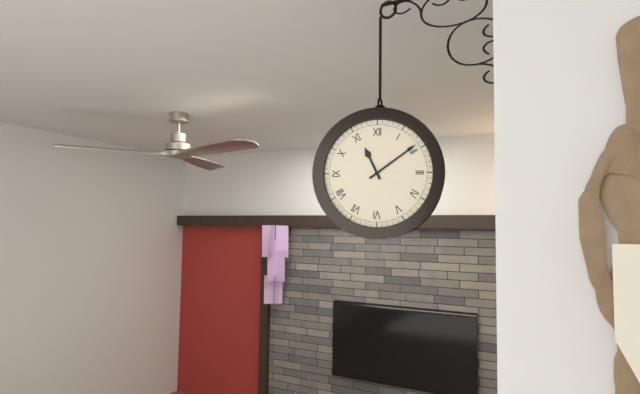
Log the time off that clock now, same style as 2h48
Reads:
11h09
